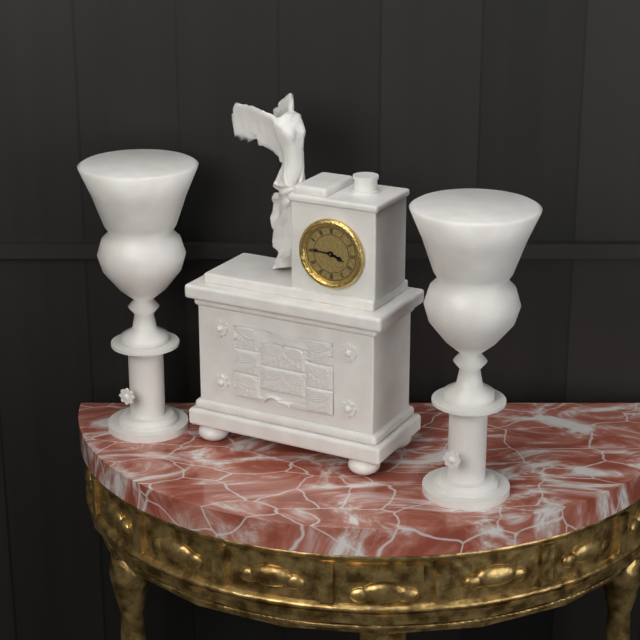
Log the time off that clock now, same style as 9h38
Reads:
3h46
